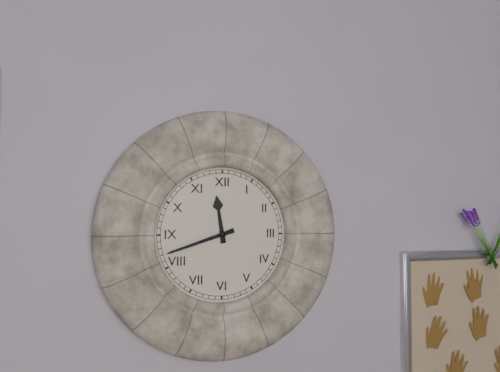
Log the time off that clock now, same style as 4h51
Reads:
11h42
